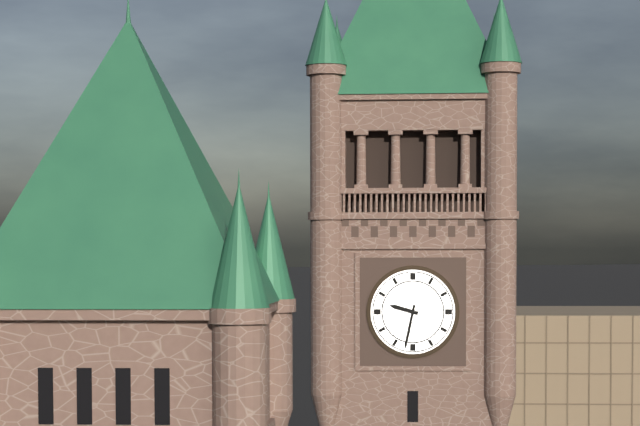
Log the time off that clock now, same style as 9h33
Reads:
9h32
